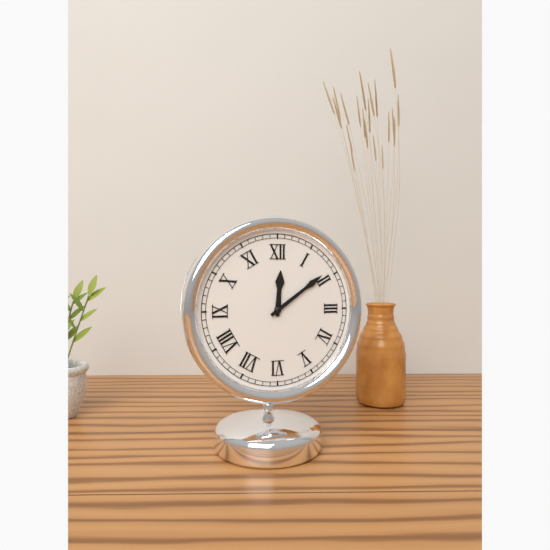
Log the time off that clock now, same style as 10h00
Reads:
12h09
